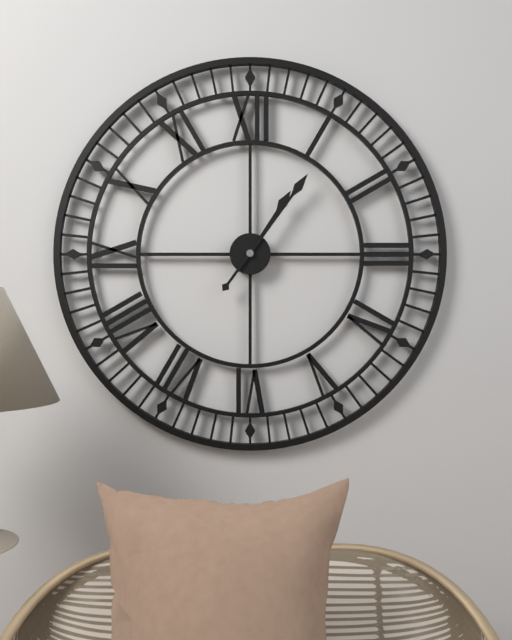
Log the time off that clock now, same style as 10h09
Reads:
1h06
